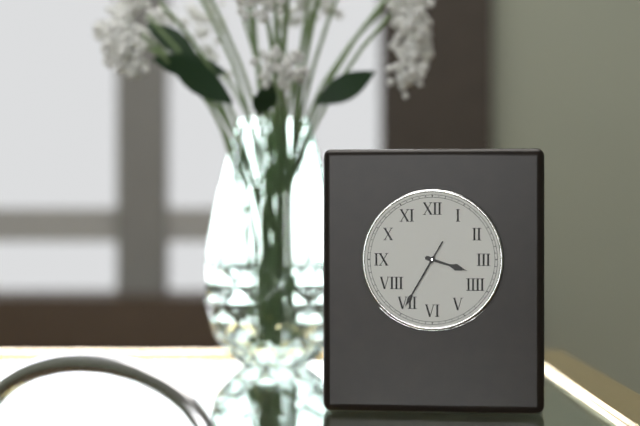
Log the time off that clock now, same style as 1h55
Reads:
3h35
